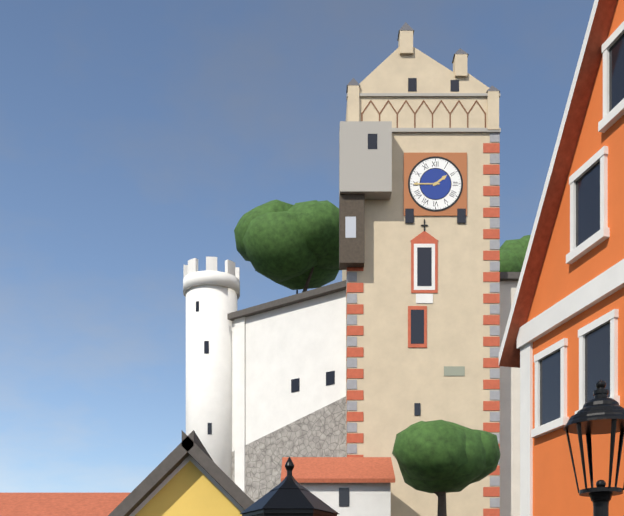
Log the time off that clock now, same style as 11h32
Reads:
1h45
